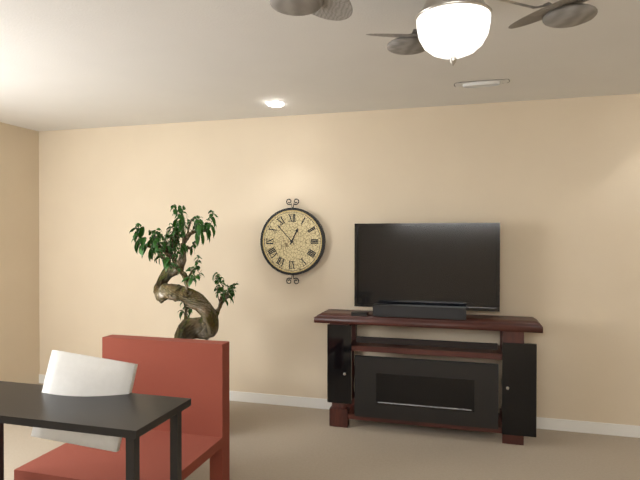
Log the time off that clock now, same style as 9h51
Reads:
12h53
